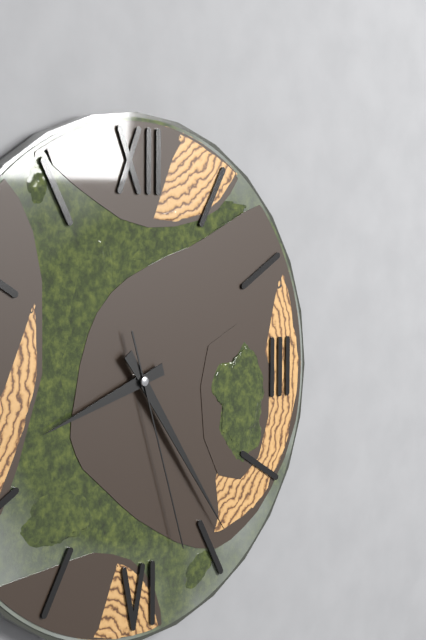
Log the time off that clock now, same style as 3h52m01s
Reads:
8h24m27s
